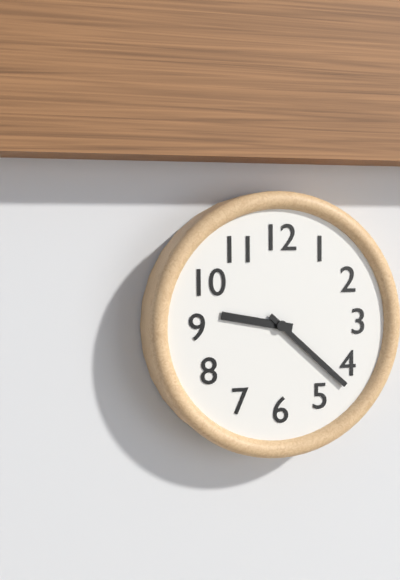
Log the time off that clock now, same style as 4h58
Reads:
9h22
